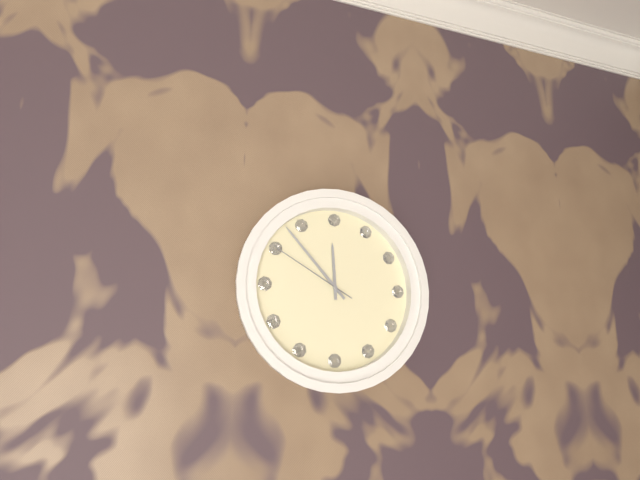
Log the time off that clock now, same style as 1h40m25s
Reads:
11h53m50s
